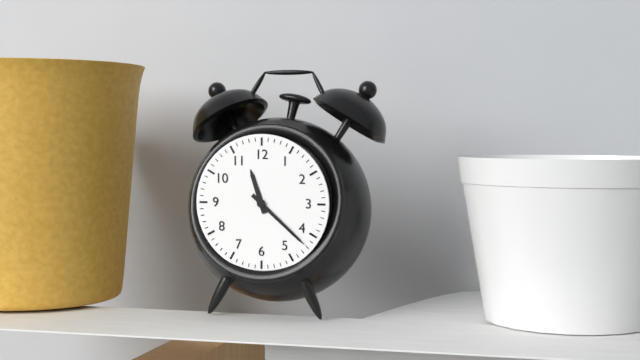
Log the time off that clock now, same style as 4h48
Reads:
11h22
